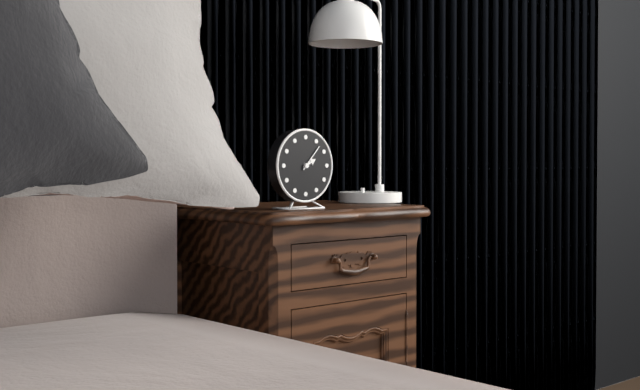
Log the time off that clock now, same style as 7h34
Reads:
2h07
